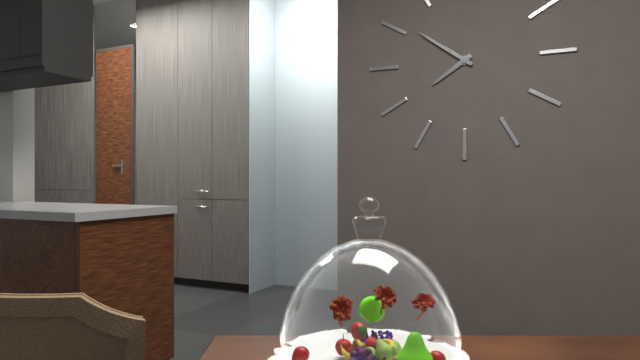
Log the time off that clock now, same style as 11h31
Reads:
7h51
